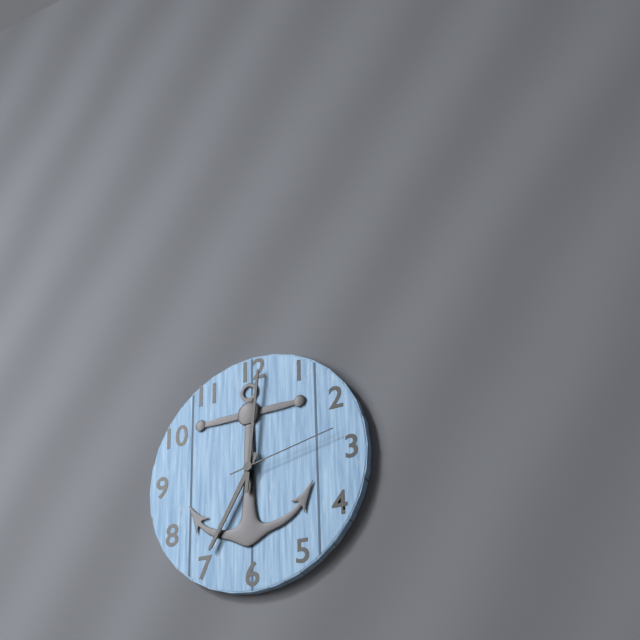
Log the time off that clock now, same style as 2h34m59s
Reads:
7h01m13s
